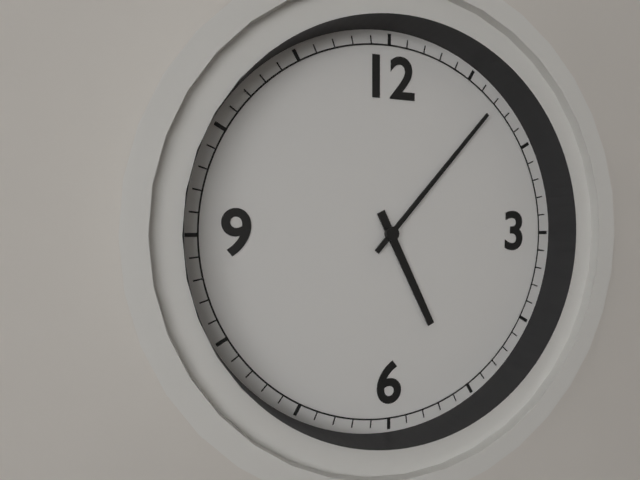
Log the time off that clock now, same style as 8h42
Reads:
5h07
